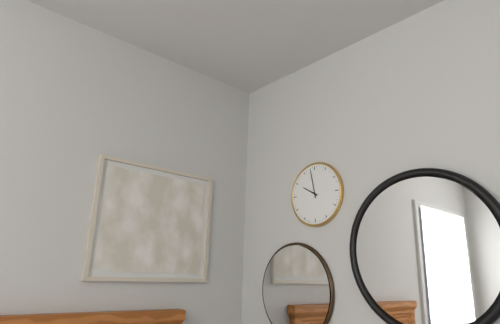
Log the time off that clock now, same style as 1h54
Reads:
9h58
